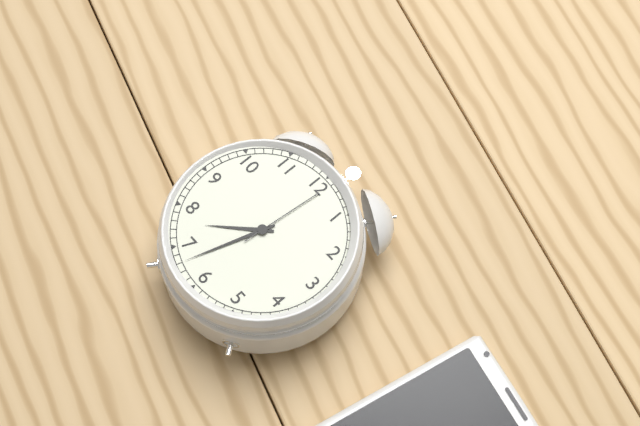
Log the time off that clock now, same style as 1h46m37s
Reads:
7h33m01s
